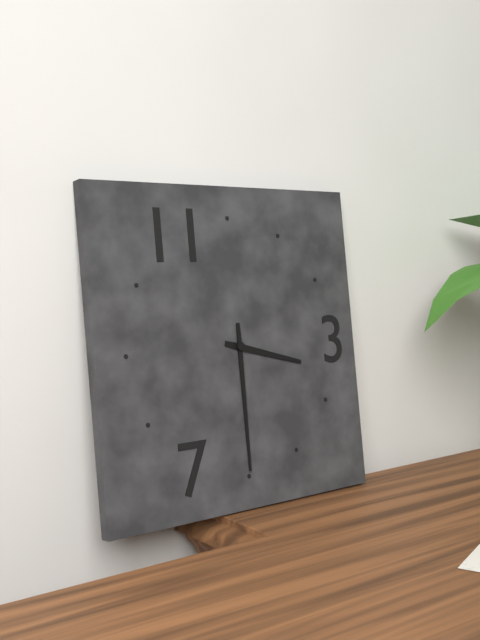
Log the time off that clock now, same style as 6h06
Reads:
3h30
